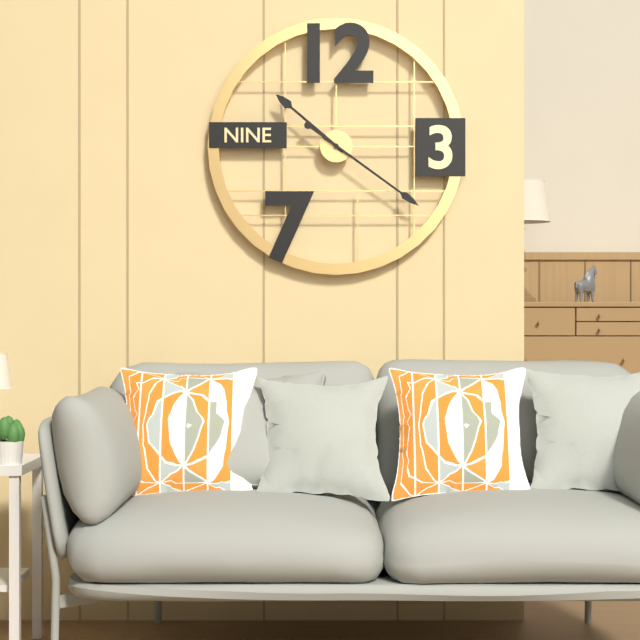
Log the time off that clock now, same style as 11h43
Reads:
10h21
